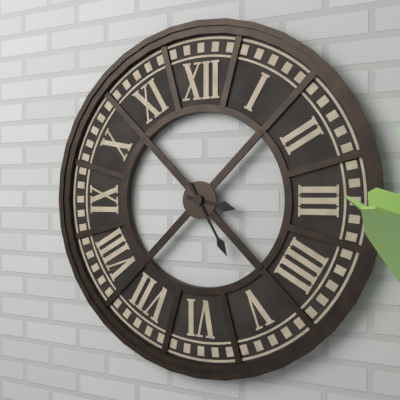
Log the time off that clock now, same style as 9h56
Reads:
3h25
